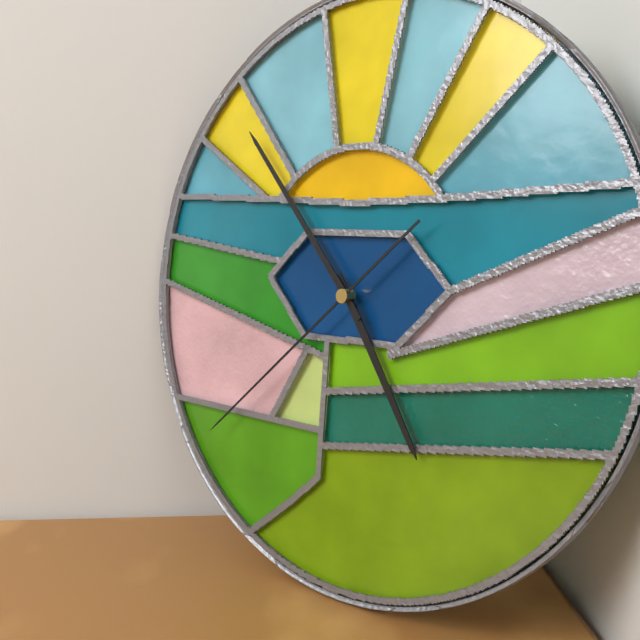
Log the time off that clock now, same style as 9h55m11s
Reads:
4h53m38s
